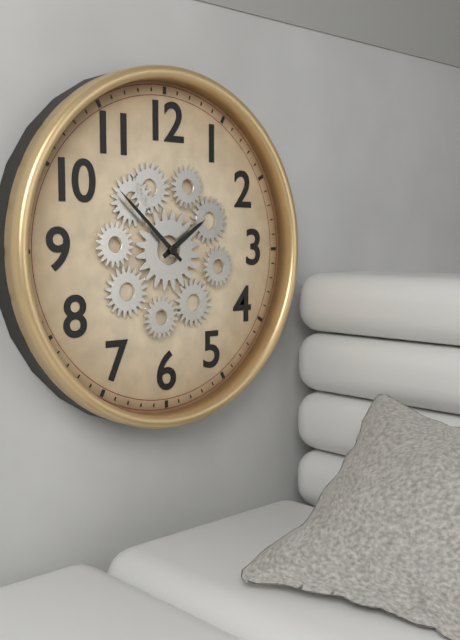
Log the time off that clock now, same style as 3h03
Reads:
1h52
